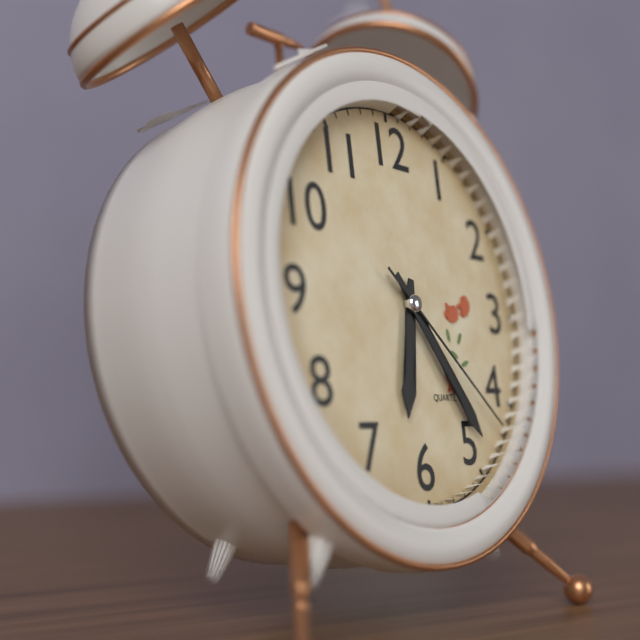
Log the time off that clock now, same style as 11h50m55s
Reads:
6h24m22s
